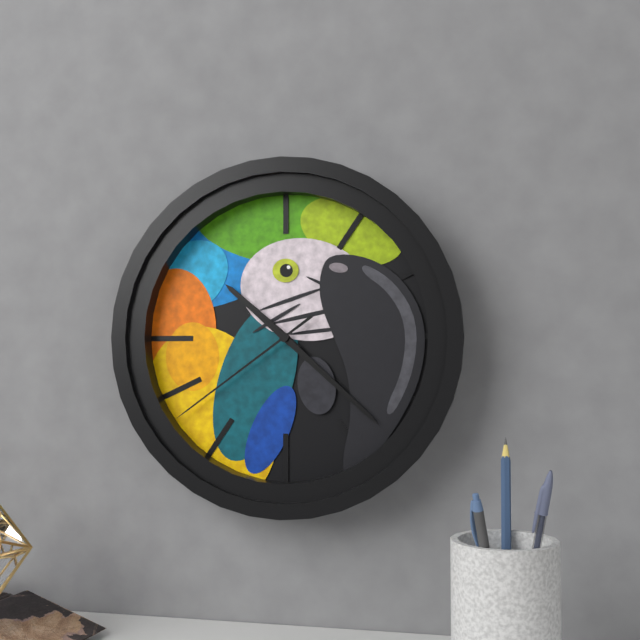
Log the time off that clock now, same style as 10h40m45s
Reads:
10h22m39s
